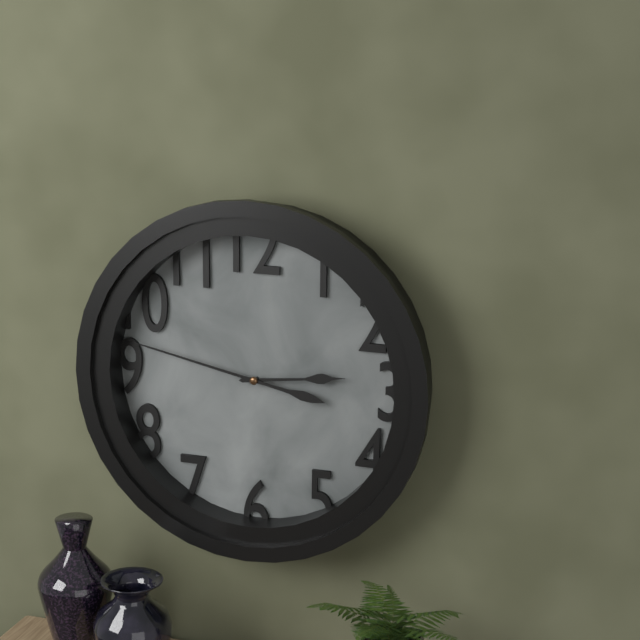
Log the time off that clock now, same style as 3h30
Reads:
2h47
